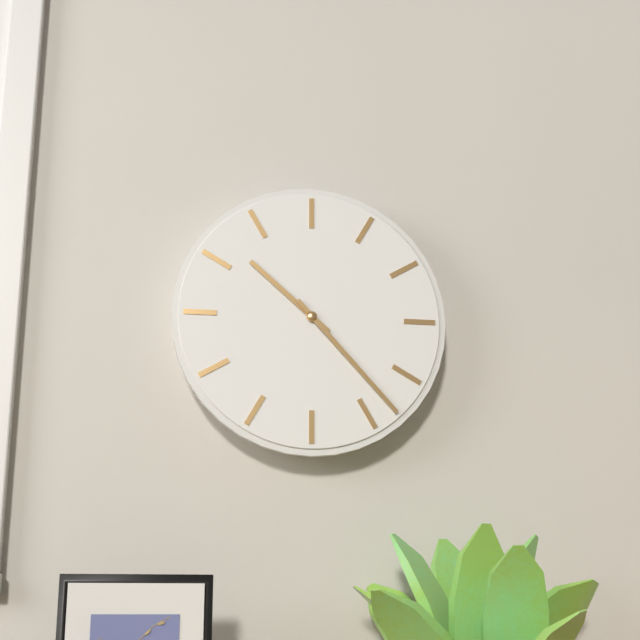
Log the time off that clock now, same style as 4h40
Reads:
10h23
